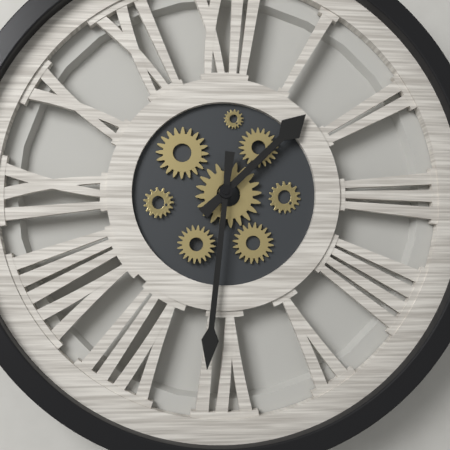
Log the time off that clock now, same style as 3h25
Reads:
1h31
